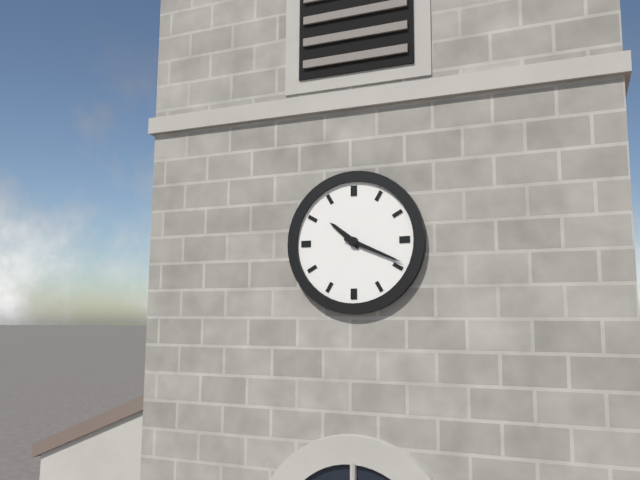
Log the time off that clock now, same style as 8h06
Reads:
10h19
